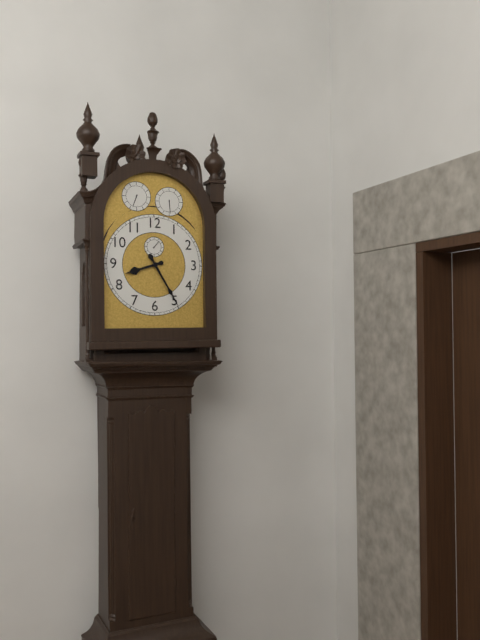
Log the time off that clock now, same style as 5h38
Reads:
8h25
